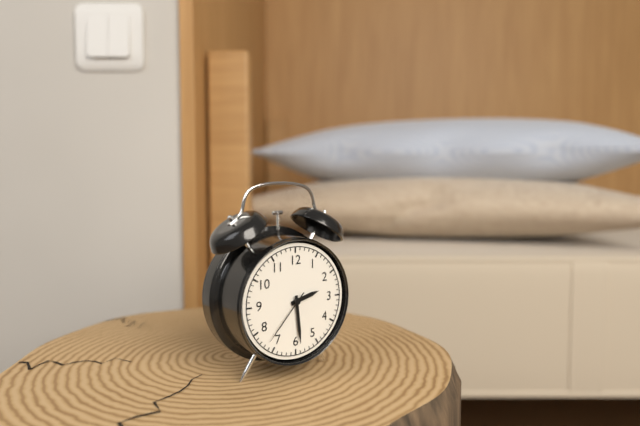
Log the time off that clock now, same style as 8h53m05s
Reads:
2h29m37s
